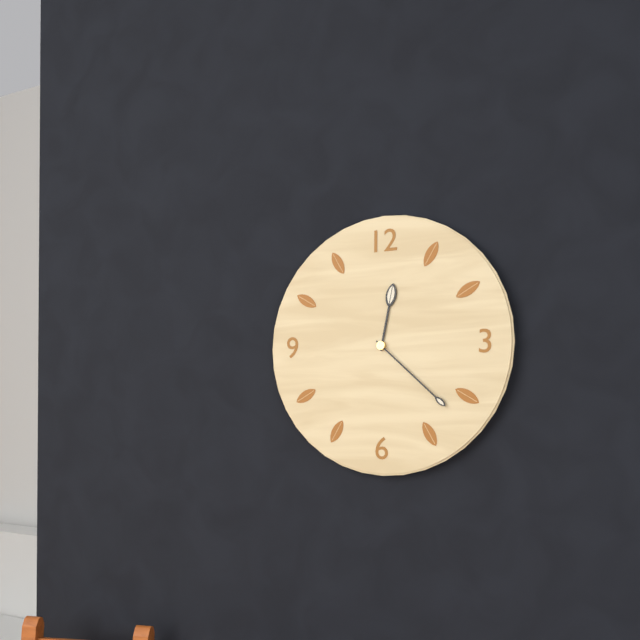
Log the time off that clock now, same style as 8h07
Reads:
12h22
